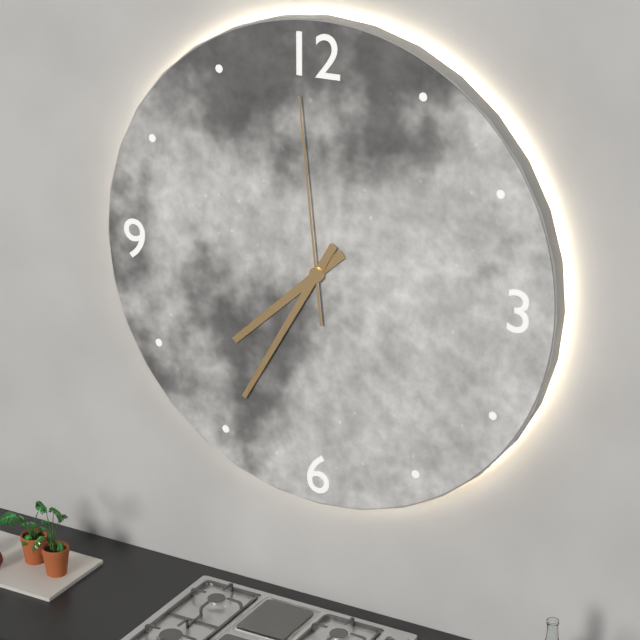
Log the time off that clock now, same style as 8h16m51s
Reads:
7h35m59s
